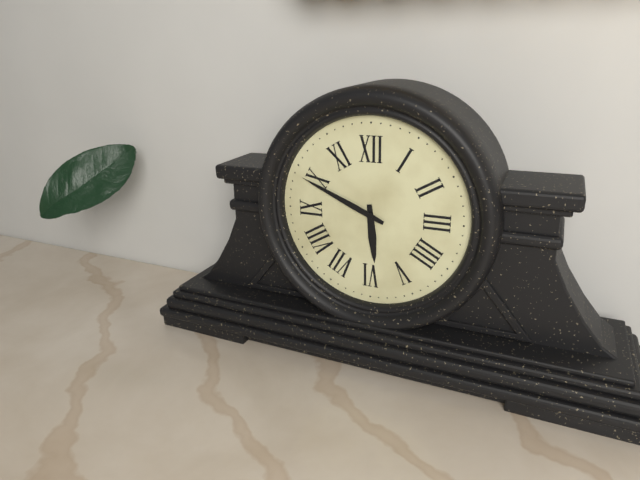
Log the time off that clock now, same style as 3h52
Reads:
5h49
